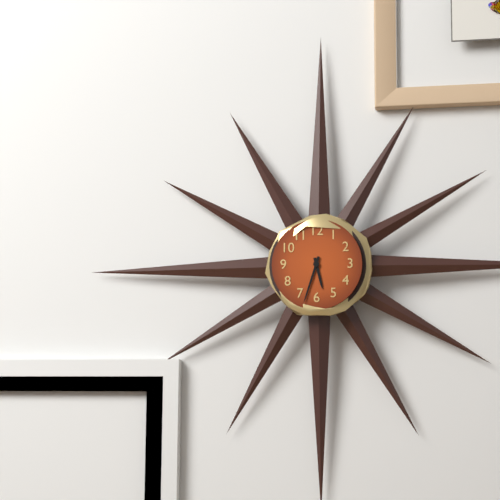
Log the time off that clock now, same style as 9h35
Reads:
5h33
